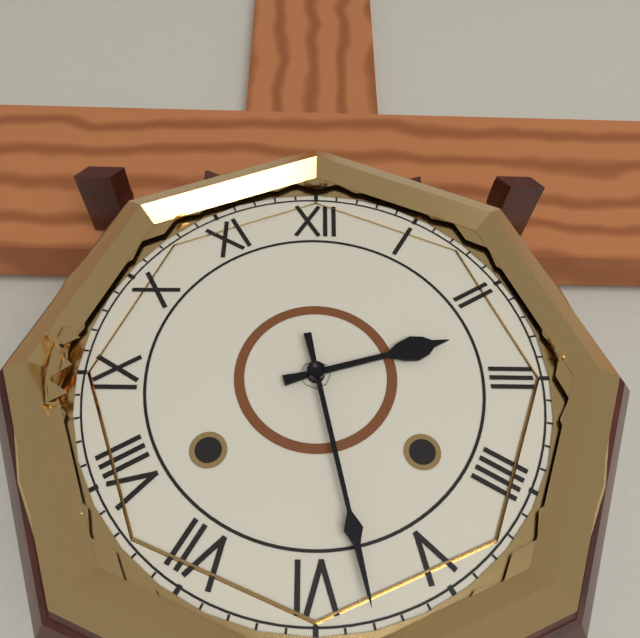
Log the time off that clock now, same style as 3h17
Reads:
2h28
